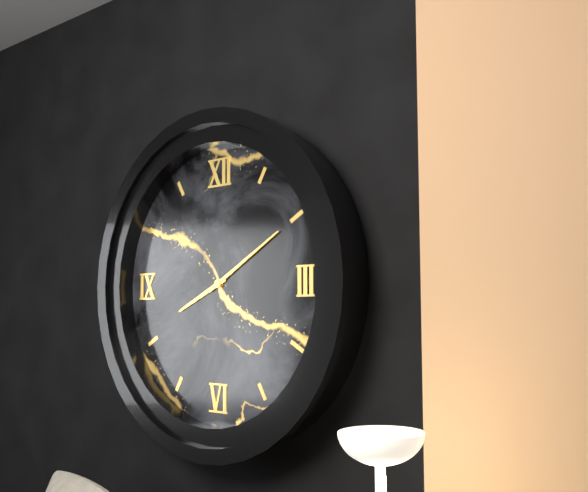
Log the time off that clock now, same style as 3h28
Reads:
8h10
